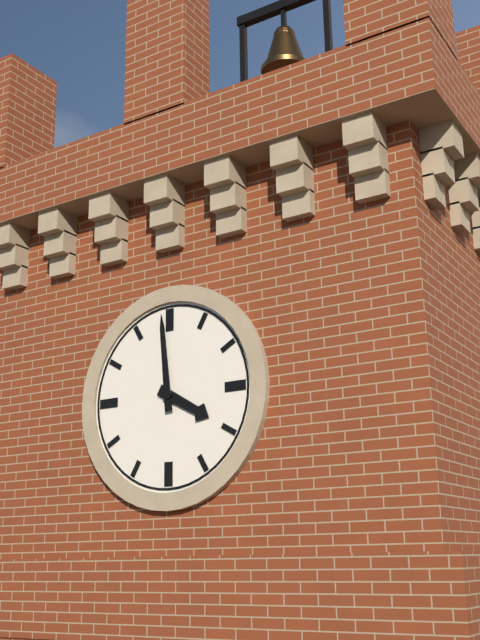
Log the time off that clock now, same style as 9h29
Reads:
3h59
